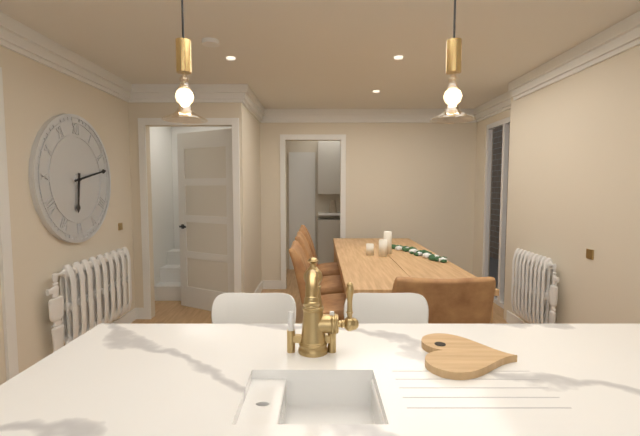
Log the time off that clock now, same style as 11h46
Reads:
6h13
